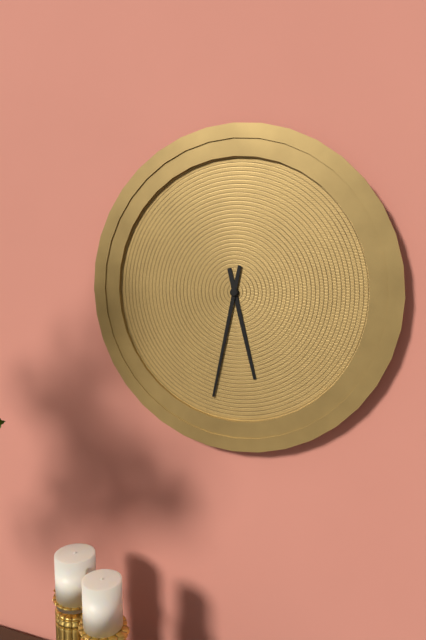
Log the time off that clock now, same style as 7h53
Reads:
5h32
